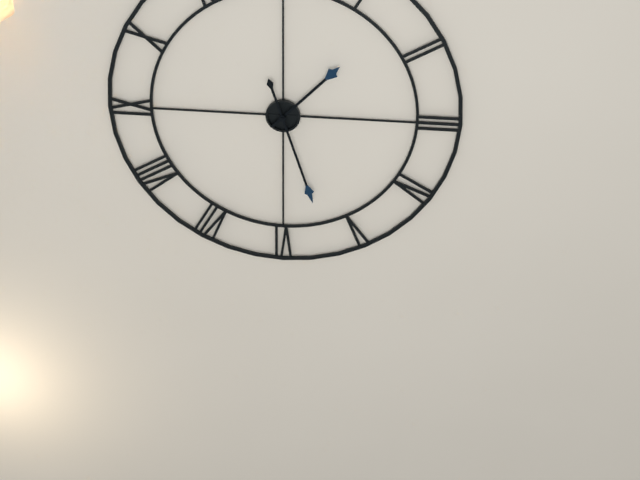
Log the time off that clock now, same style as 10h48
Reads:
1h27
